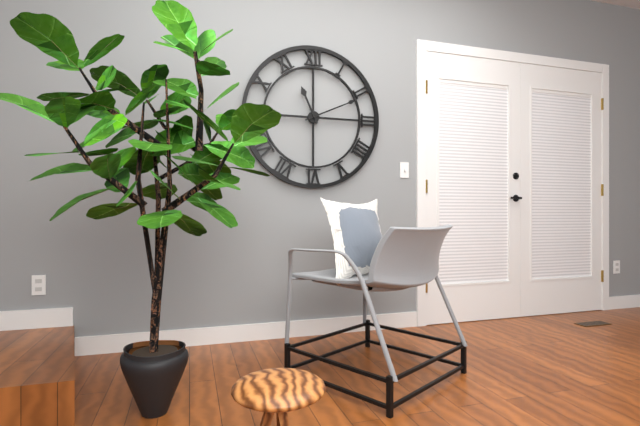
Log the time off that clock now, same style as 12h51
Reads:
11h11
